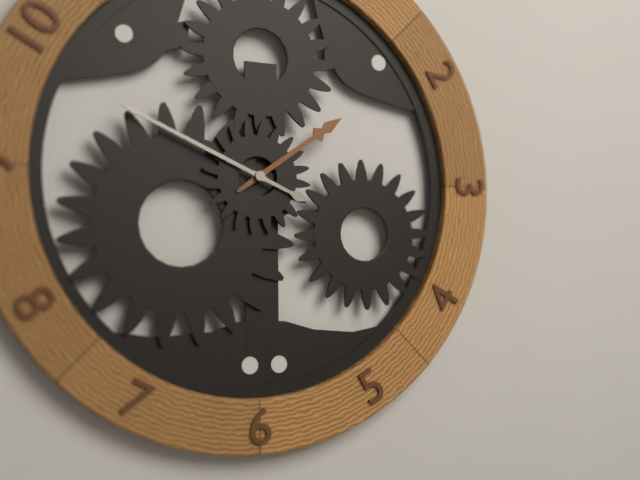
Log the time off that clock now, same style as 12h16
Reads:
1h49
